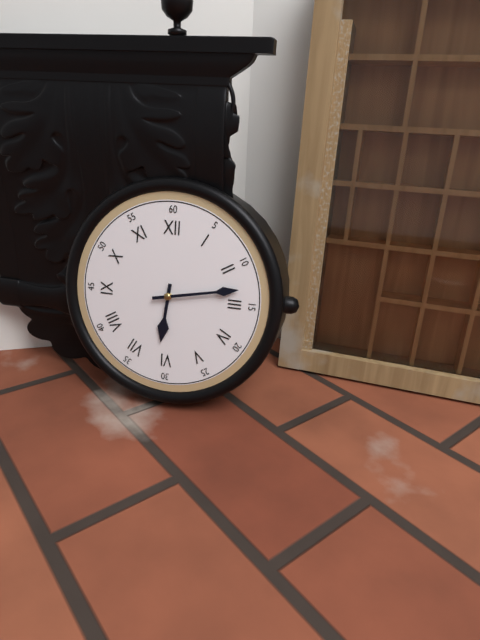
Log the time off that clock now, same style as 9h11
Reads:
6h13
